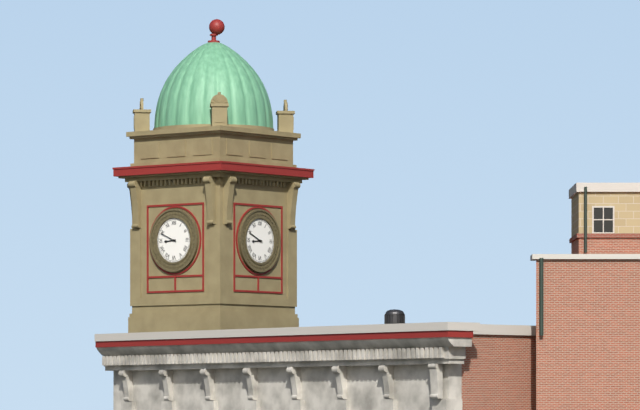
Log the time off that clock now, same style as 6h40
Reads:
8h49
